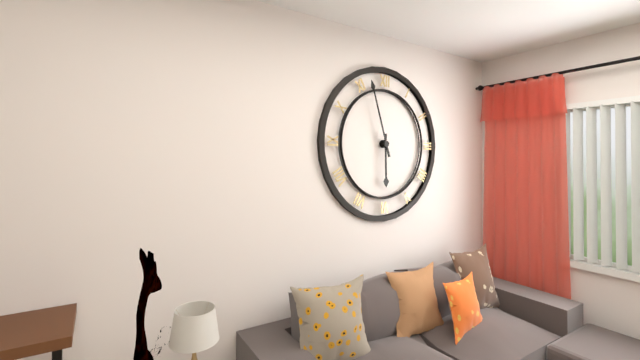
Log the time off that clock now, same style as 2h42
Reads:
5h57
